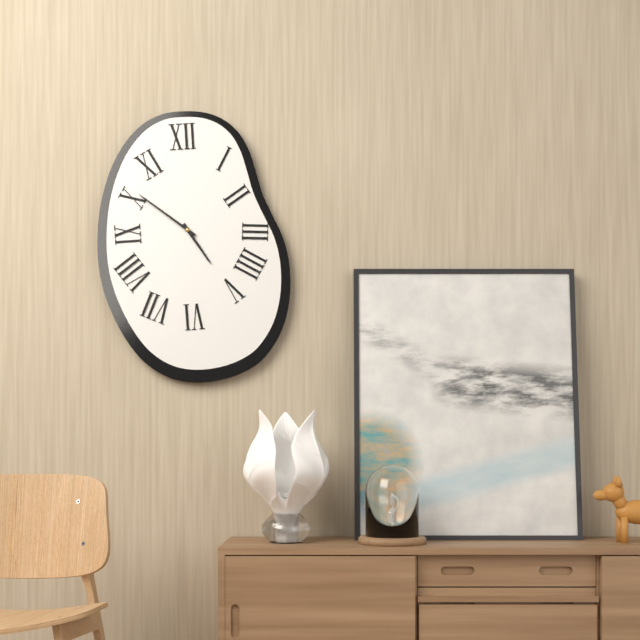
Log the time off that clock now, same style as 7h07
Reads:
4h51
